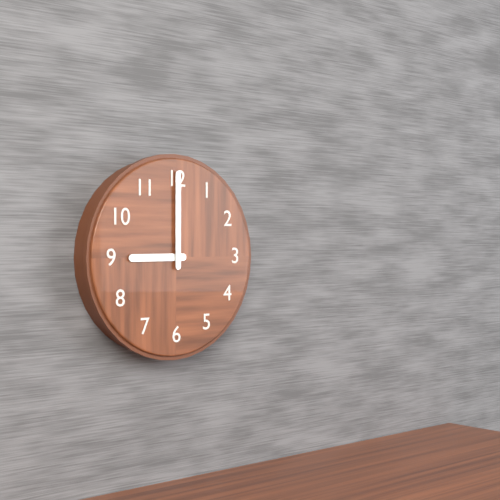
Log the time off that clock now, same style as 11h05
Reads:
9h00
